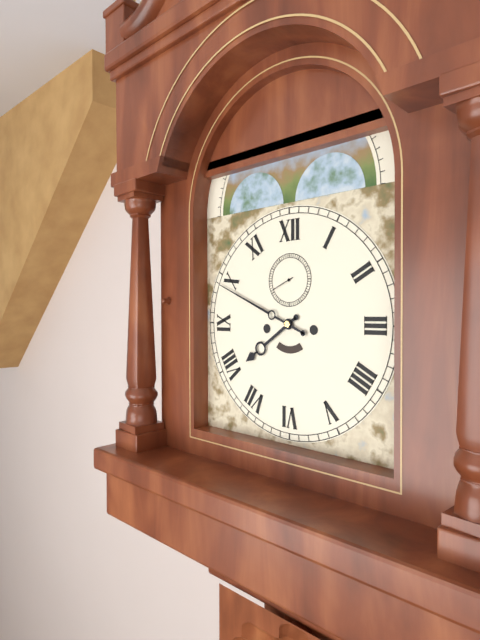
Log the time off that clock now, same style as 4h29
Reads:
7h49
